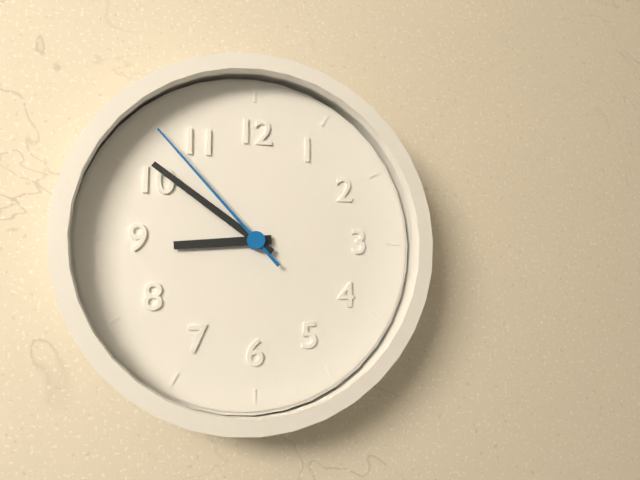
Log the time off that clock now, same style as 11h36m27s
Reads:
8h51m53s
